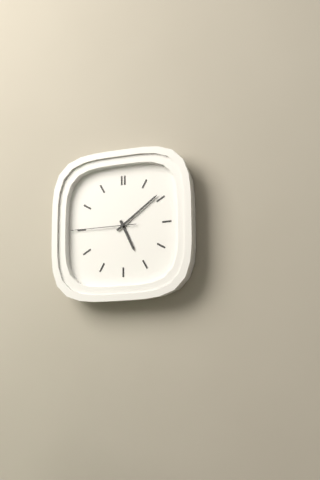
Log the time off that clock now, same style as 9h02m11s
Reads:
5h09m45s
